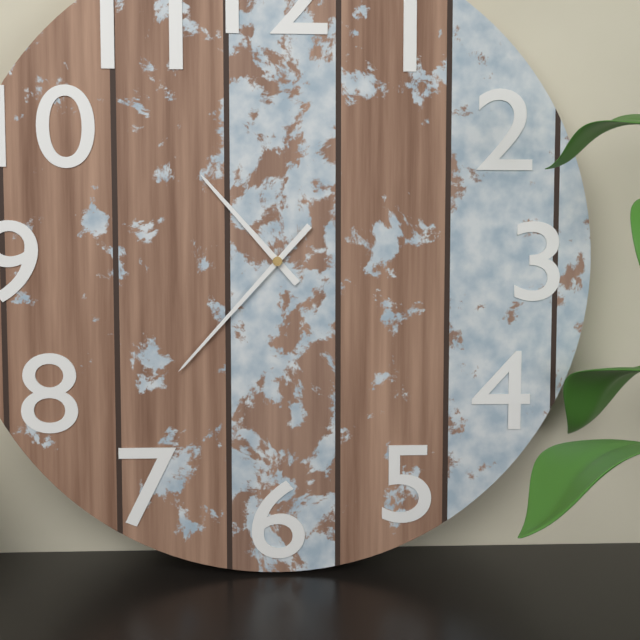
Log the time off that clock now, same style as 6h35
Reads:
10h37
